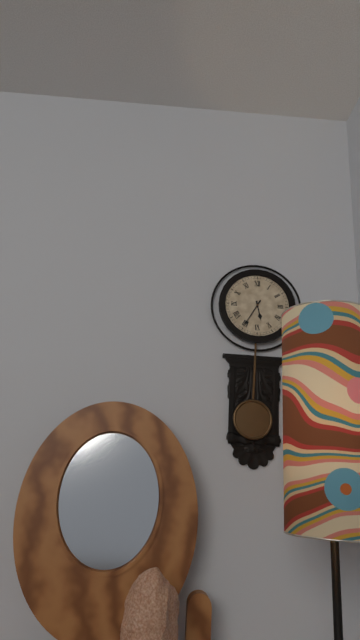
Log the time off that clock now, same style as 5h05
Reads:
5h35
